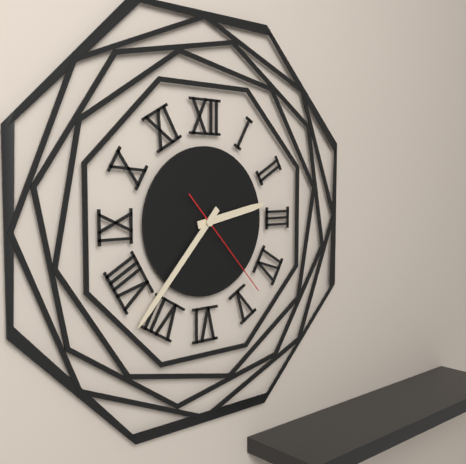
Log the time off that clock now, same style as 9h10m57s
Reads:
2h37m23s
